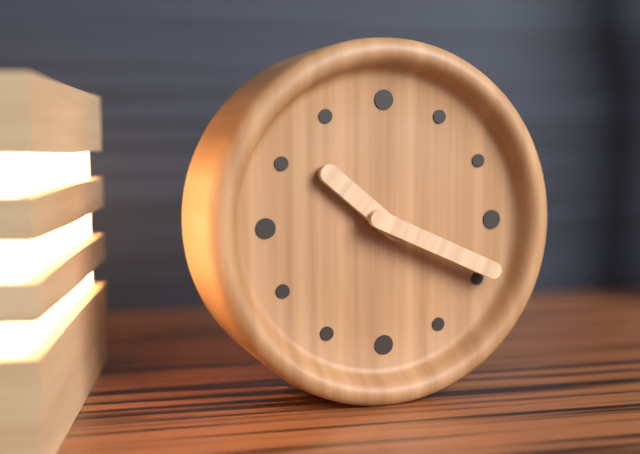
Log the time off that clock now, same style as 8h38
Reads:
10h19
